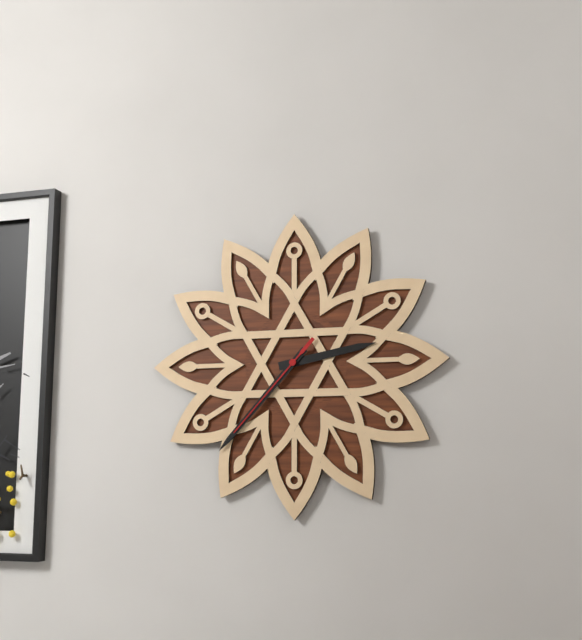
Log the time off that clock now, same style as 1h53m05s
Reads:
2h37m37s
